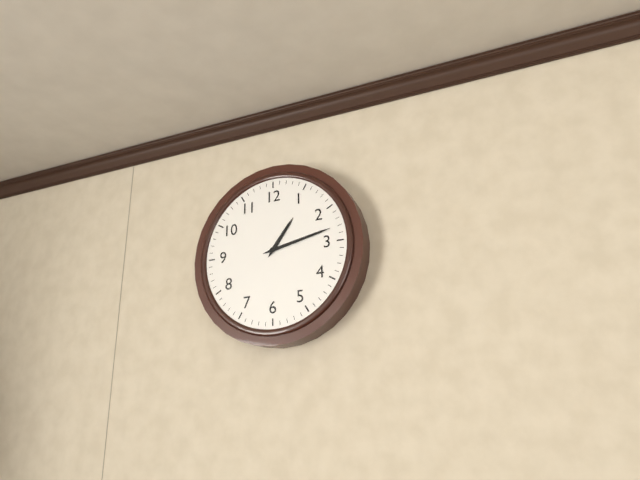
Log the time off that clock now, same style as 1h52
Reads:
1h13
